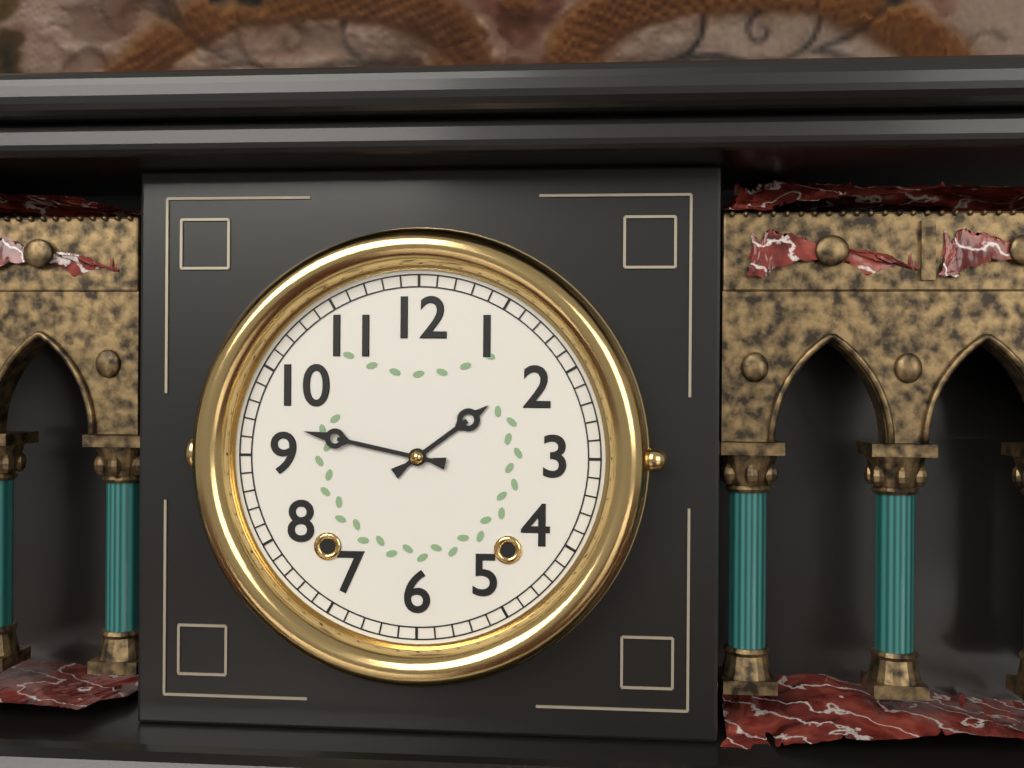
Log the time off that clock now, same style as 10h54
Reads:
1h47
